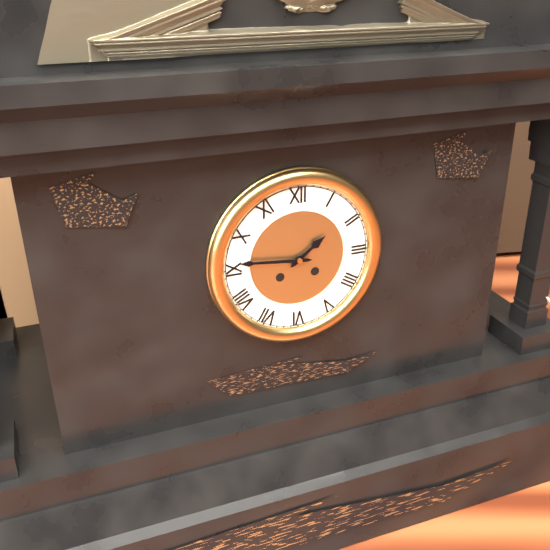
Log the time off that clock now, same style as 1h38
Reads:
1h46
